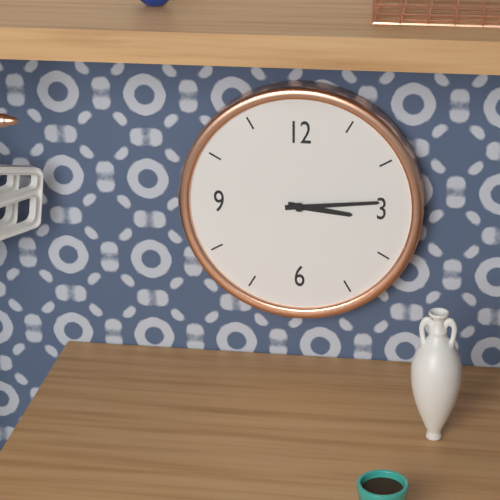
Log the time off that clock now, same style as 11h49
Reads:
3h14
